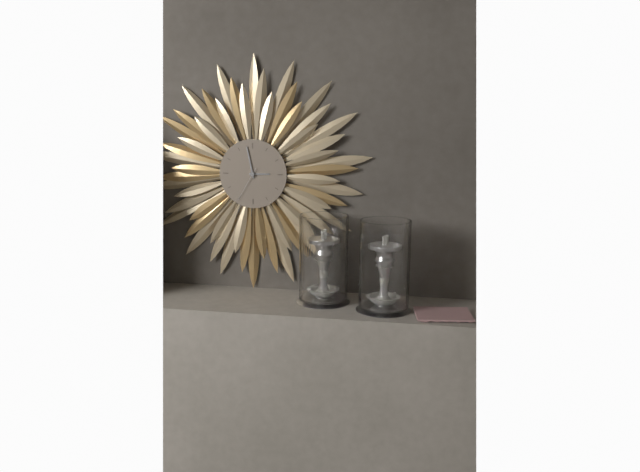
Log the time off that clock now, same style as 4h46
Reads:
2h58
